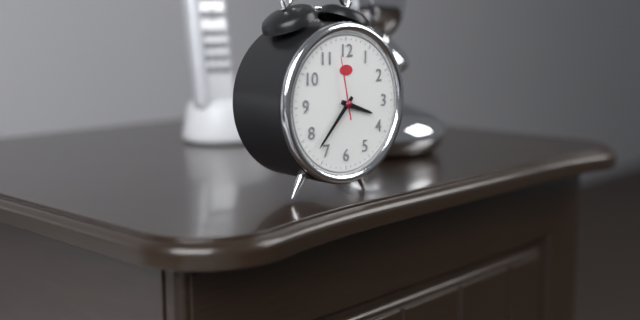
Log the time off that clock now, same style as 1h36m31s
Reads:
3h37m58s
